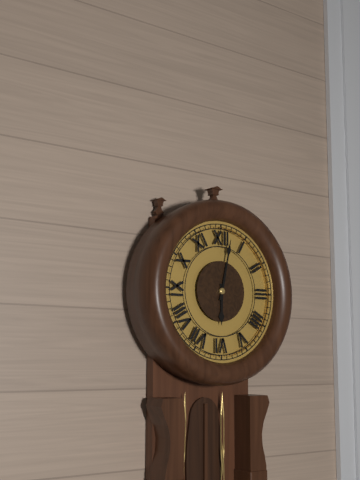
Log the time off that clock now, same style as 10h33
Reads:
6h02
